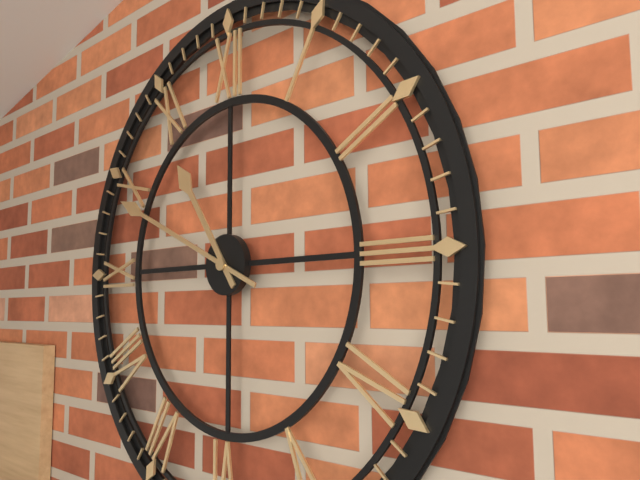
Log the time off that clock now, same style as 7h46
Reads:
10h49
